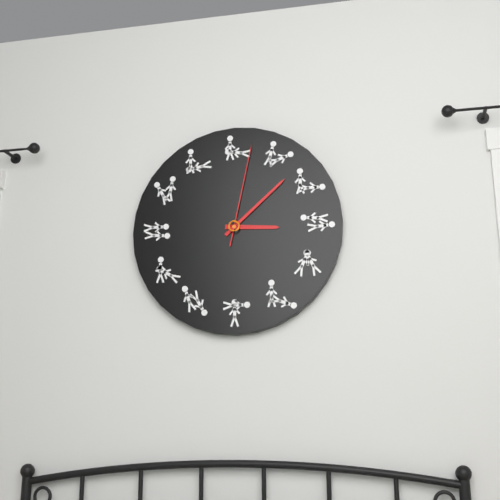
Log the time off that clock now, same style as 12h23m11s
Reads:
3h08m02s
